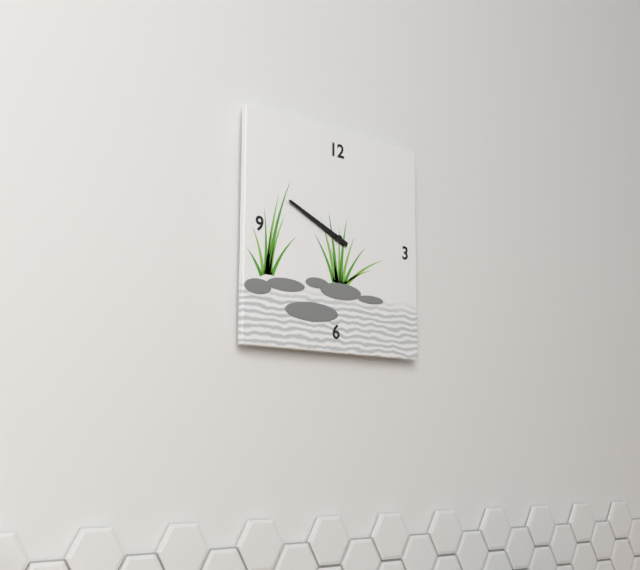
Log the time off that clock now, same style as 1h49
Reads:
9h49
